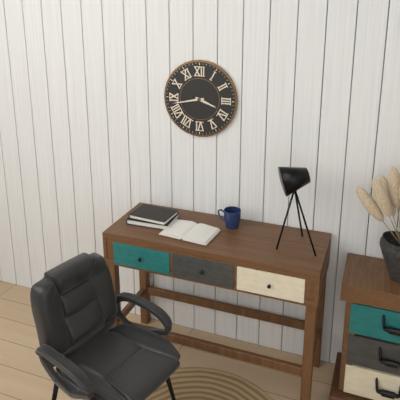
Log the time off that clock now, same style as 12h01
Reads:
3h43
